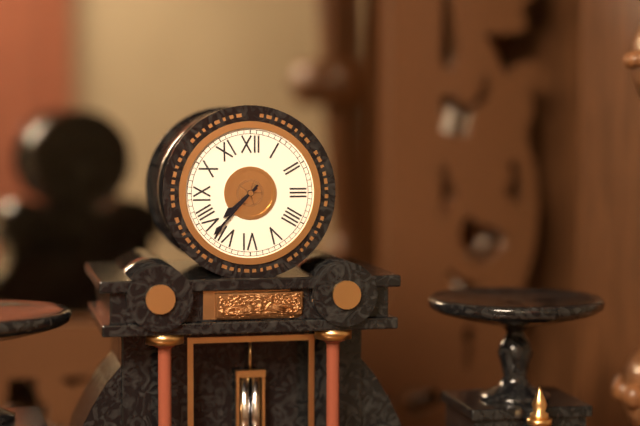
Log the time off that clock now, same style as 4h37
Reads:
7h37
